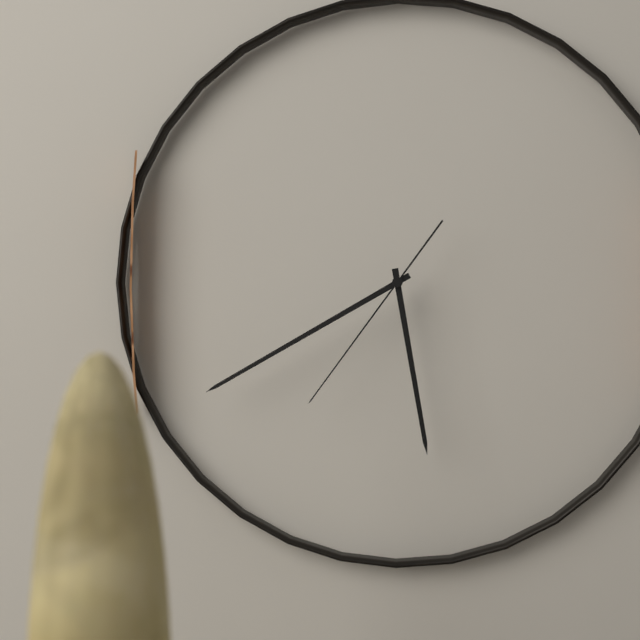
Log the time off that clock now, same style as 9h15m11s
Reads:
5h40m36s
